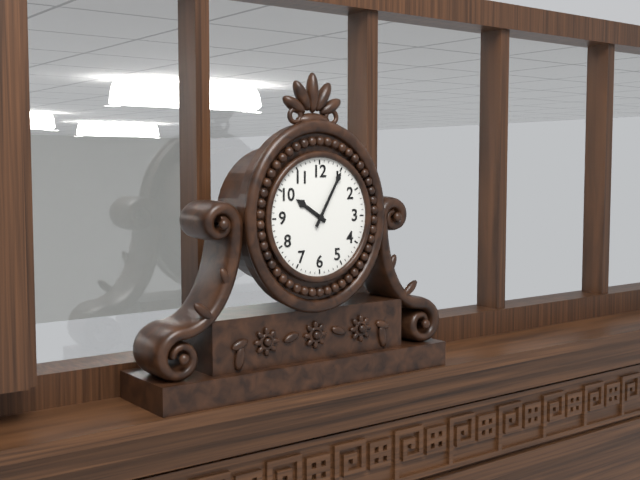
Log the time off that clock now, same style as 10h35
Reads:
10h05
